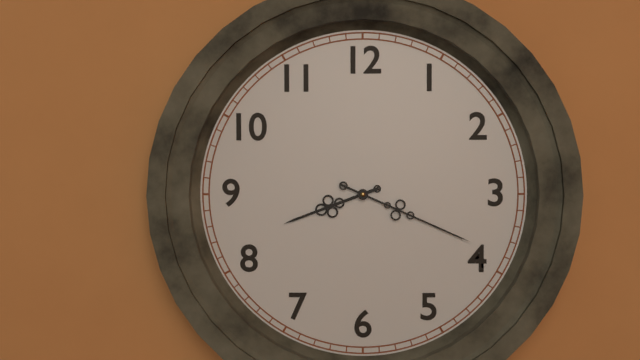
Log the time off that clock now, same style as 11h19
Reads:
8h19
